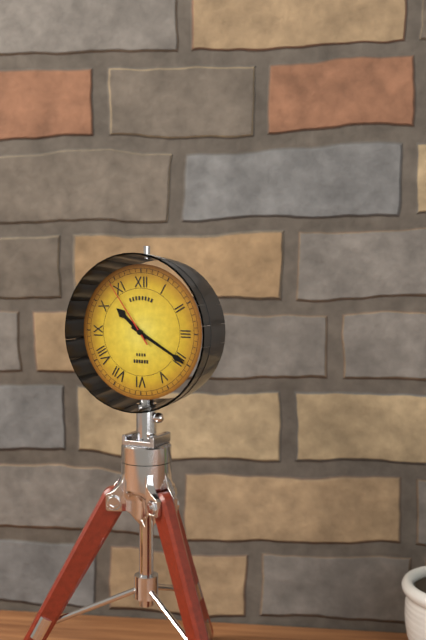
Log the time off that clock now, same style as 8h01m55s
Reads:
10h20m54s
